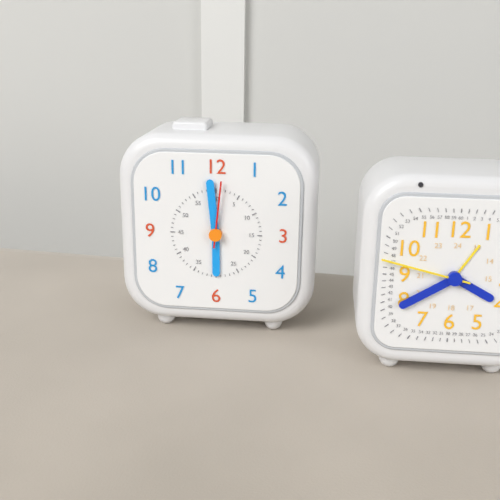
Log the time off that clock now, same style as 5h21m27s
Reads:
5h59m01s
